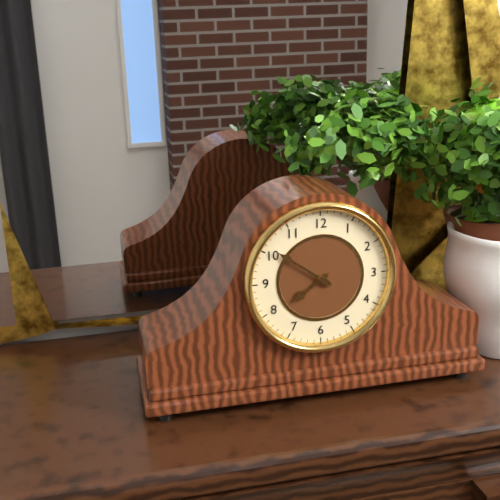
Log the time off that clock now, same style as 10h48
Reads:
7h51
